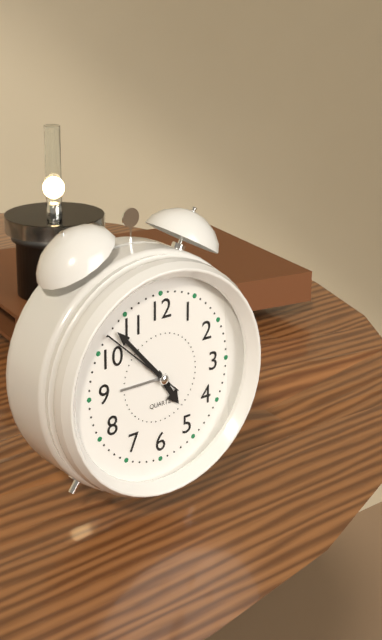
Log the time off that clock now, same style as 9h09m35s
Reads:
4h53m52s
